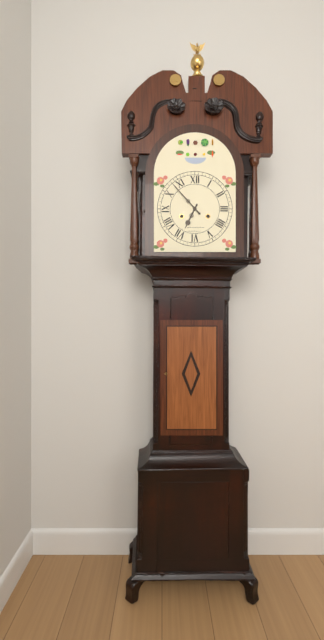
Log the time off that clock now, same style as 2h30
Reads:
6h53
